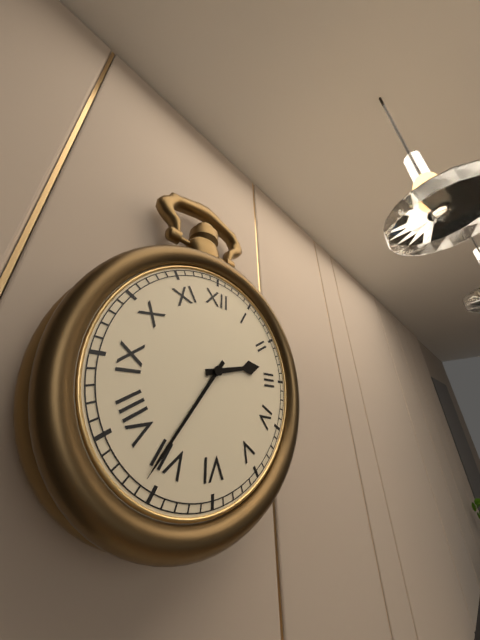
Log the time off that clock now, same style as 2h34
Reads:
2h36
